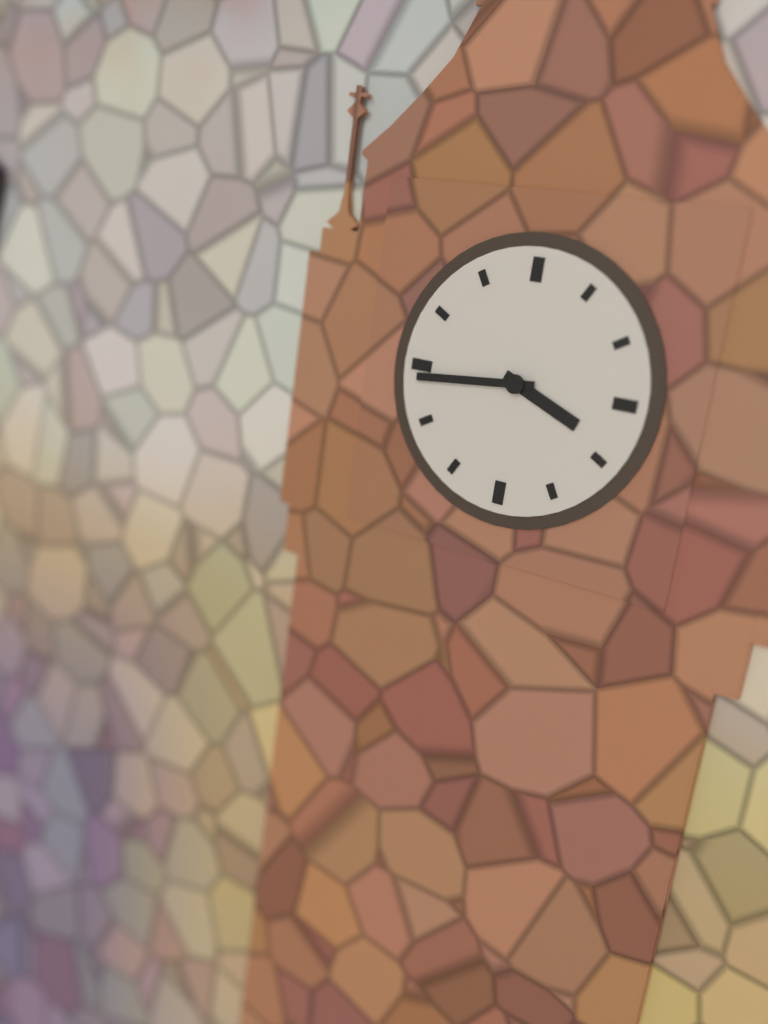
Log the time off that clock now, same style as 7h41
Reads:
3h44
